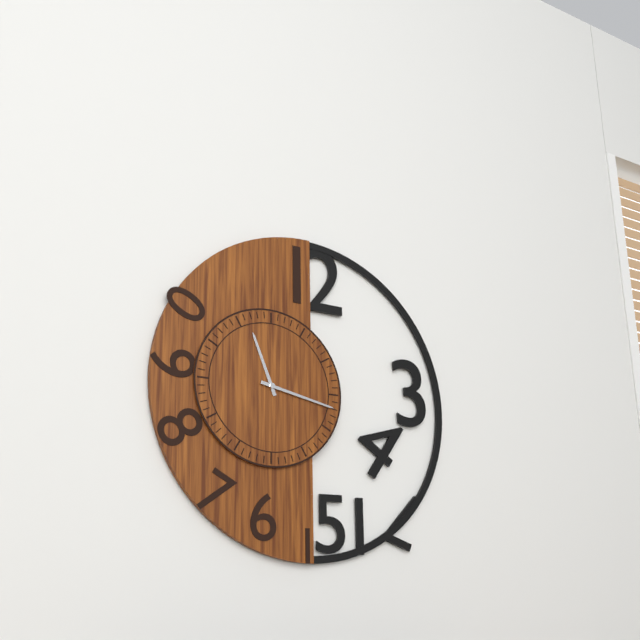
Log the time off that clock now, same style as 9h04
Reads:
11h17
